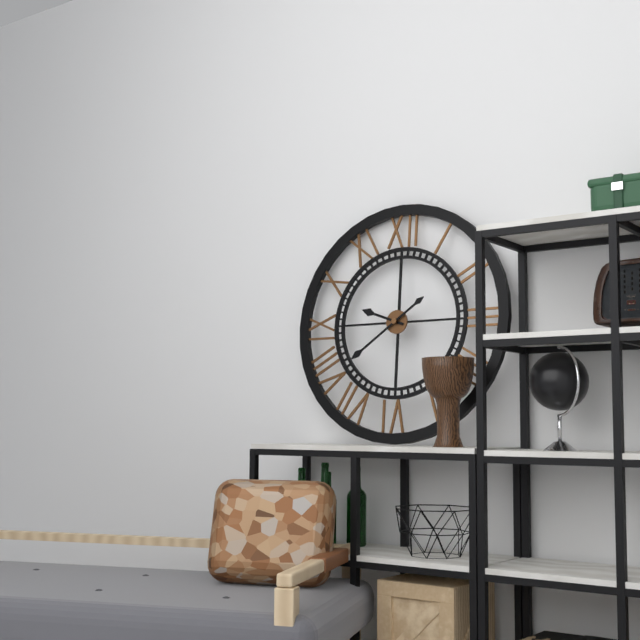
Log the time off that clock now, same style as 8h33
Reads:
9h39
